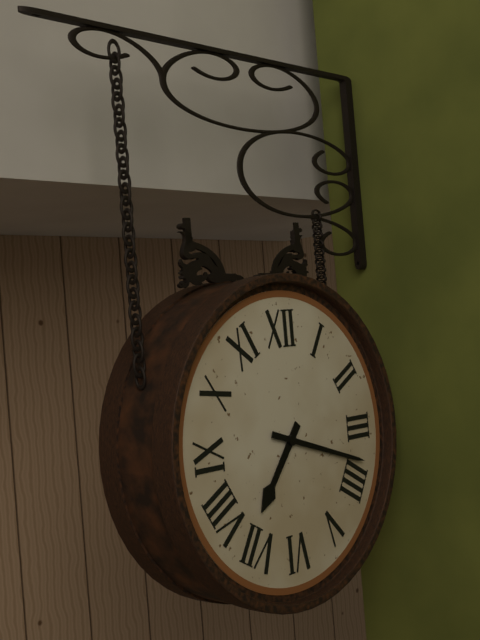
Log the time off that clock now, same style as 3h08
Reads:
7h18
